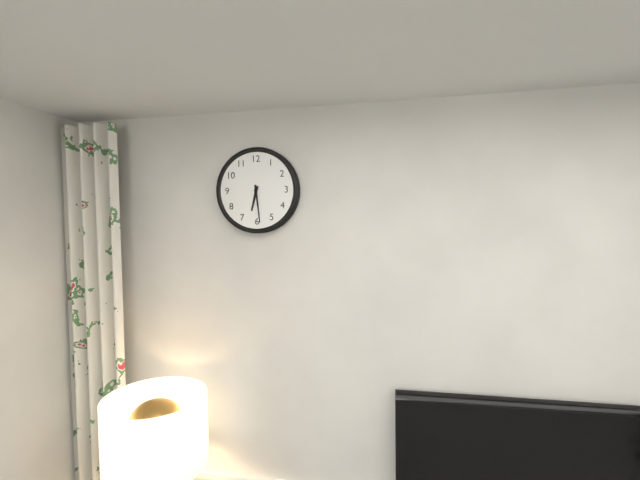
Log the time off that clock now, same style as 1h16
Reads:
6h29
